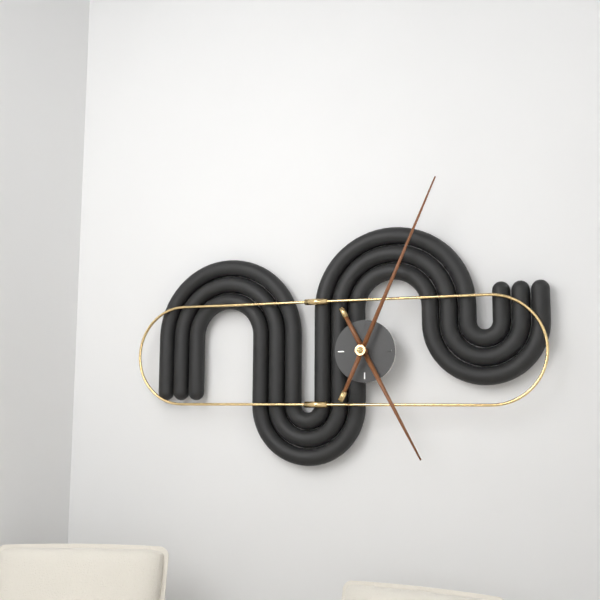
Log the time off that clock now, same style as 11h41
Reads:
5h04
